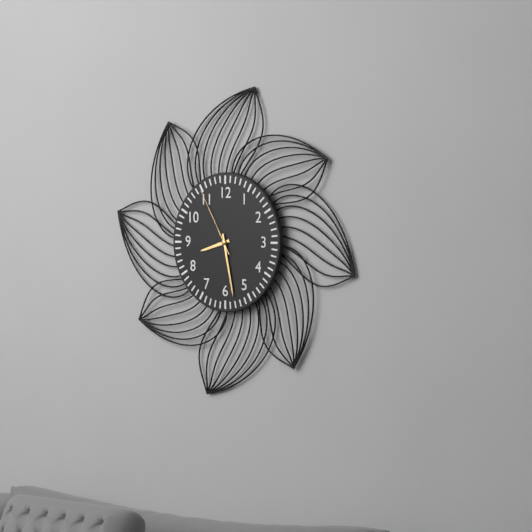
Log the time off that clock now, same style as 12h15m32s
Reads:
8h28m55s
